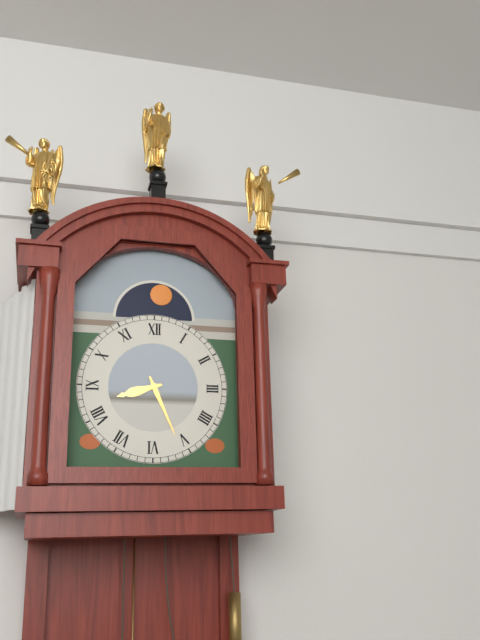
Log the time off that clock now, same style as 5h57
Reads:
8h26
